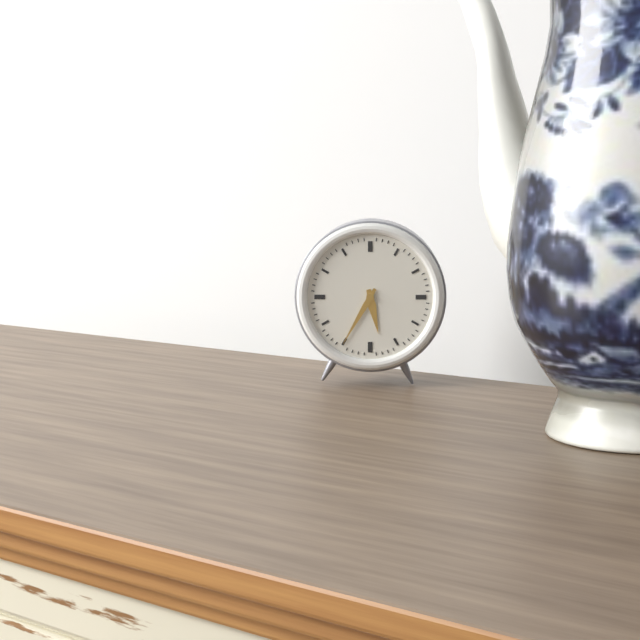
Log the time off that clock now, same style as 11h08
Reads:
5h35
